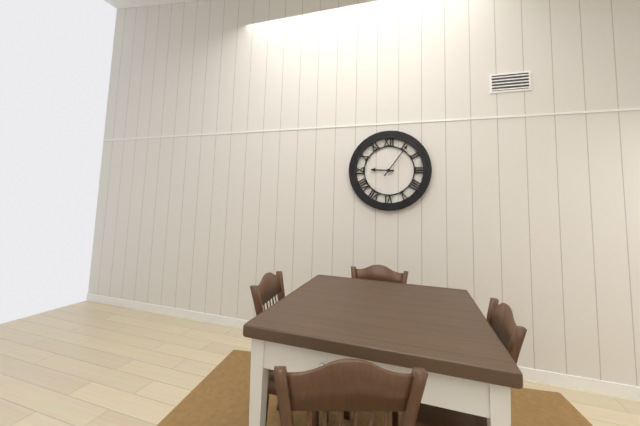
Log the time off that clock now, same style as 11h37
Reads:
9h06
